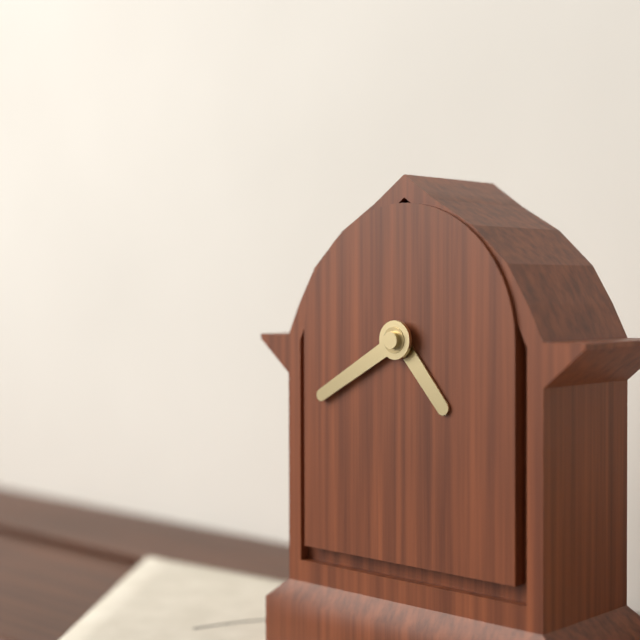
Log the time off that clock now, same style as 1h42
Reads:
4h40
